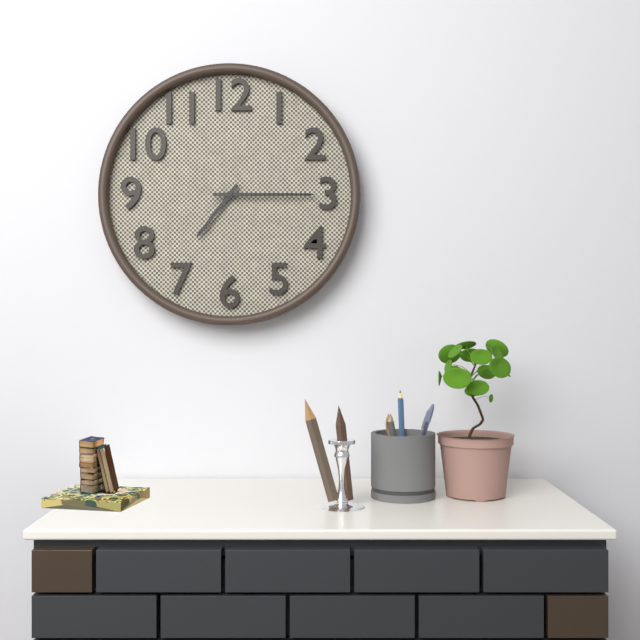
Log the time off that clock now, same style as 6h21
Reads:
7h15
